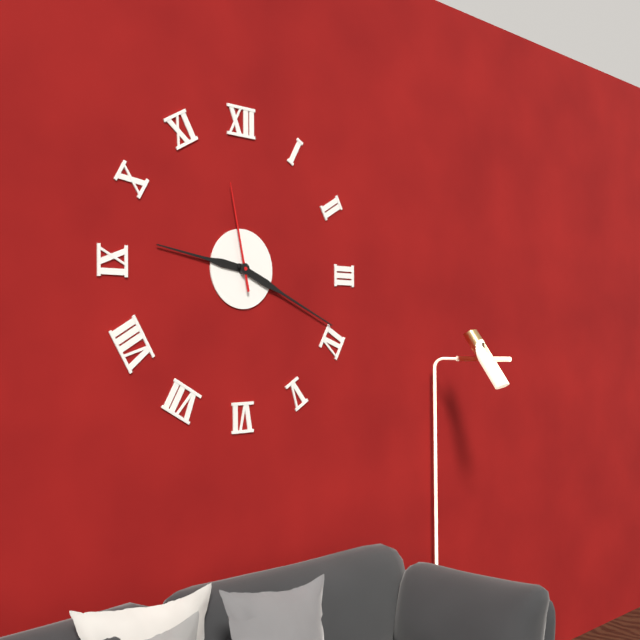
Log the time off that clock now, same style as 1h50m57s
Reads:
9h19m58s
